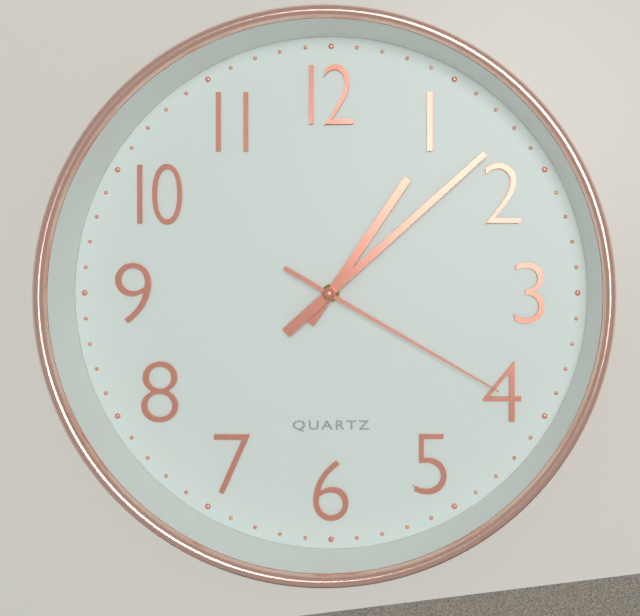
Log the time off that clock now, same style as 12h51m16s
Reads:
1h08m20s
